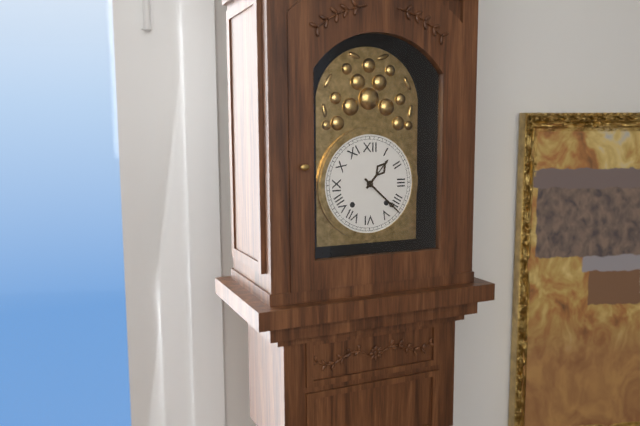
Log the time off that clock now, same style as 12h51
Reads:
1h22
